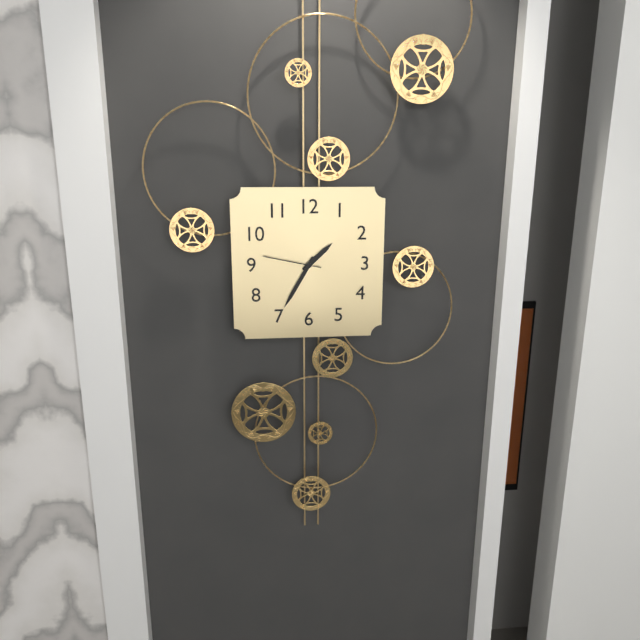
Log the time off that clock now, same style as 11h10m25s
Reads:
1h35m47s
